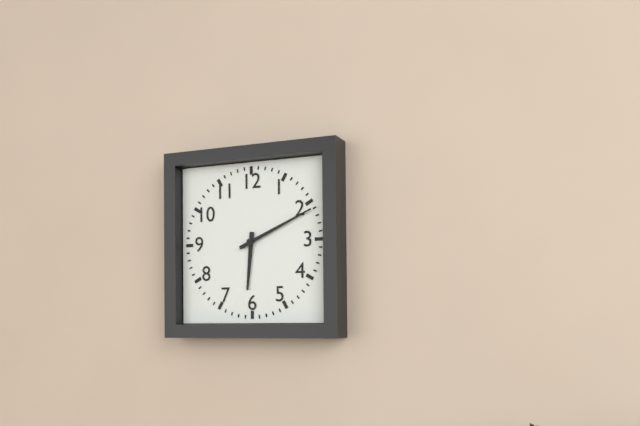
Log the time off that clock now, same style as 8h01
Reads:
6h11
